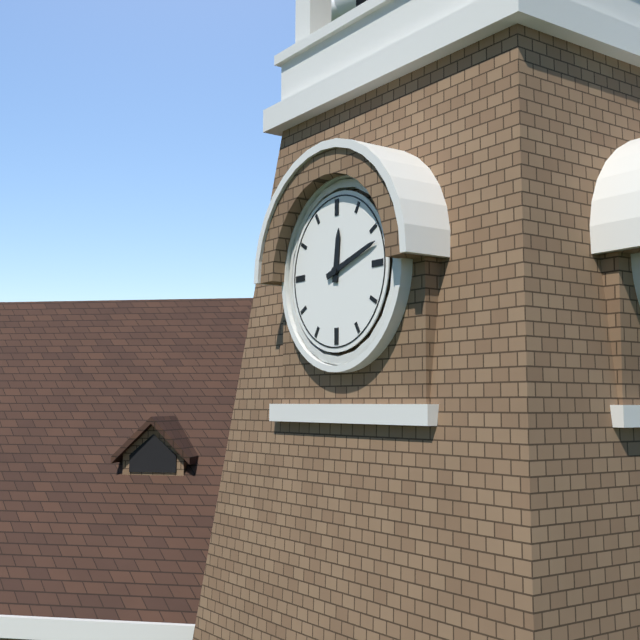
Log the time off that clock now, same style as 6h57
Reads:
12h12
